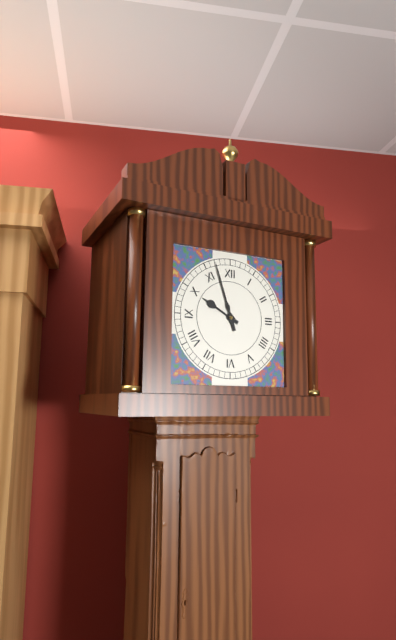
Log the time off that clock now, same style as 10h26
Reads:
9h57
